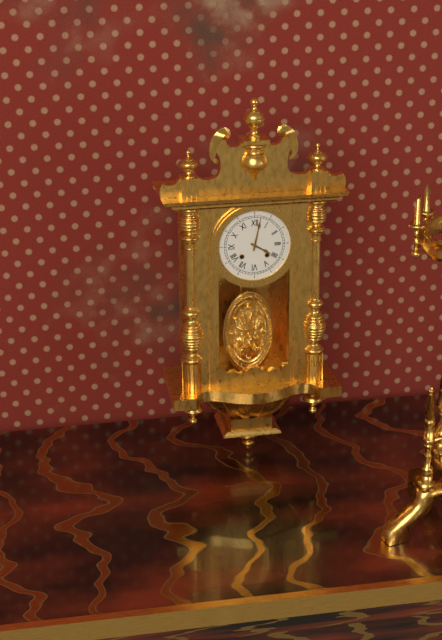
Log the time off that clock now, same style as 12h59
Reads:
4h02
